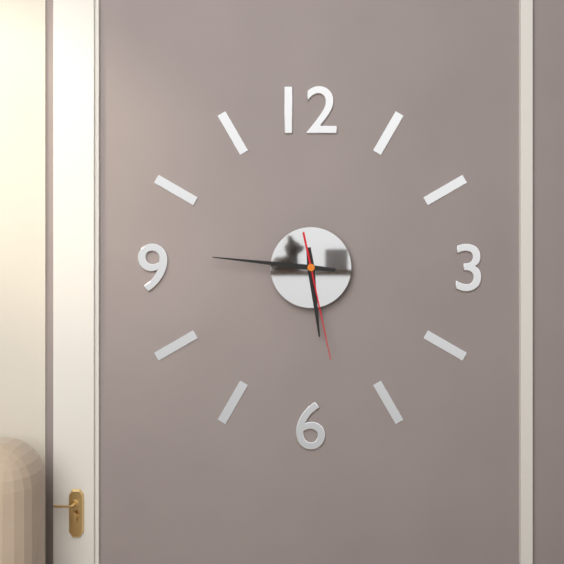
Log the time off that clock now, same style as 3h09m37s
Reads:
5h46m28s
